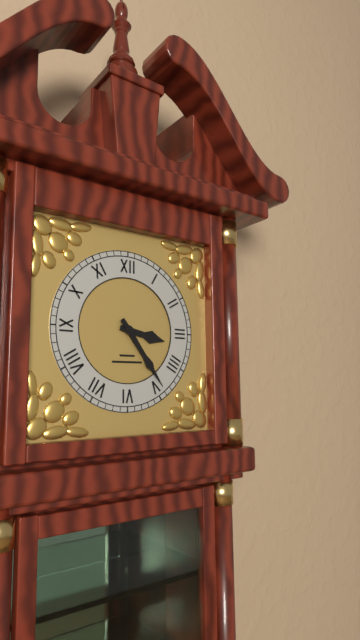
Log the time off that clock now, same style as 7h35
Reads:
3h24
